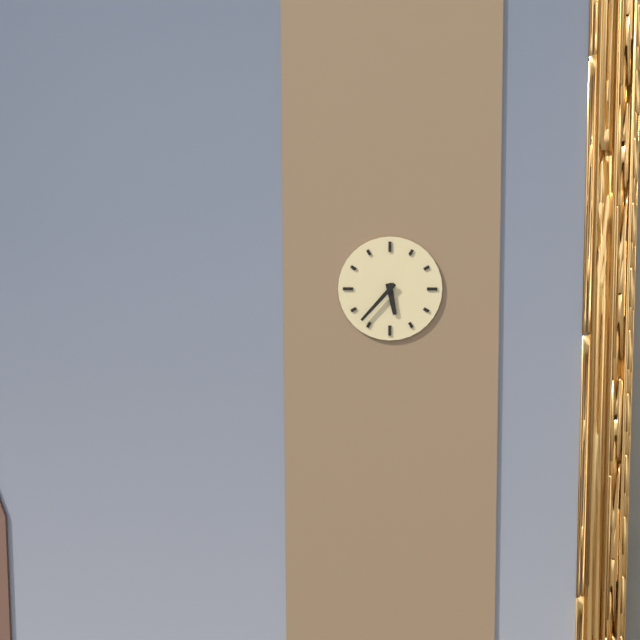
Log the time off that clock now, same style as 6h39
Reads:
5h37
